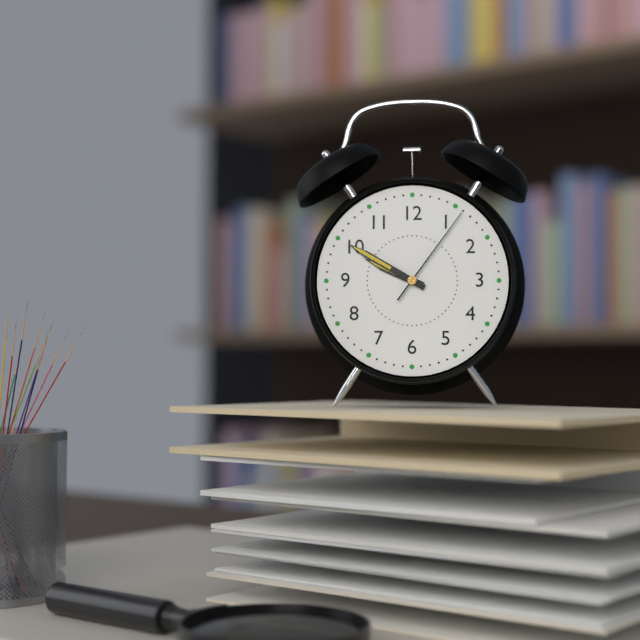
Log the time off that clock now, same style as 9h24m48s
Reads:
9h50m06s
